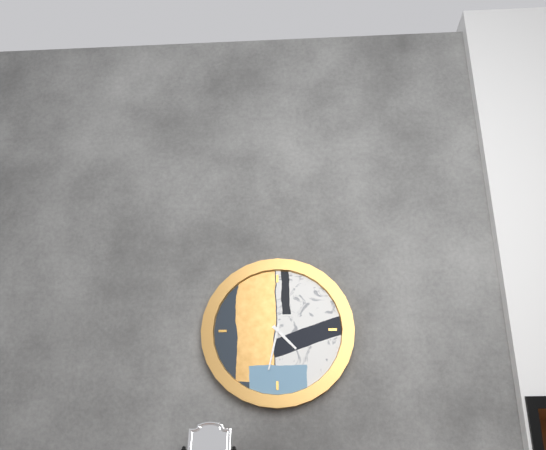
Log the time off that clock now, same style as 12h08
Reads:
4h32
